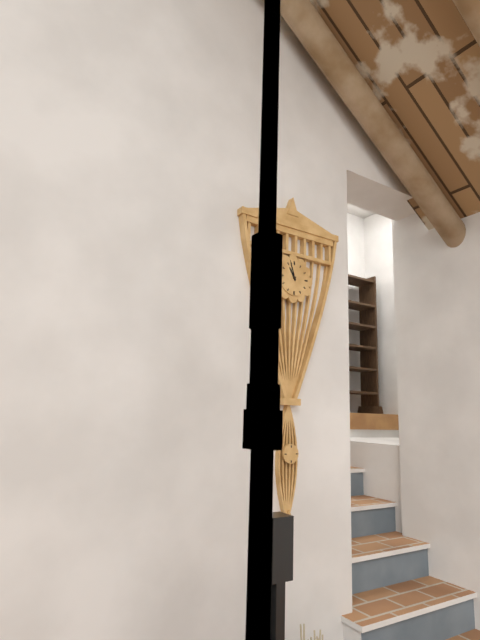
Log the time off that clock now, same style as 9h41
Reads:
10h57
